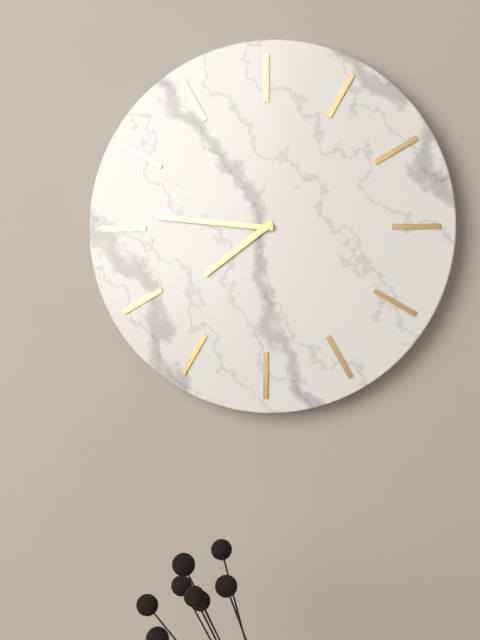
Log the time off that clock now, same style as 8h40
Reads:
7h46
